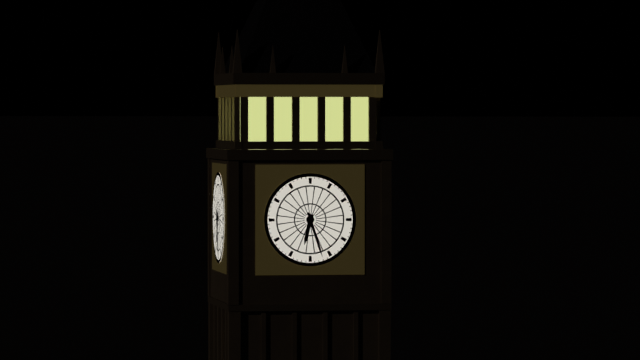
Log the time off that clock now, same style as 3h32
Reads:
6h27
